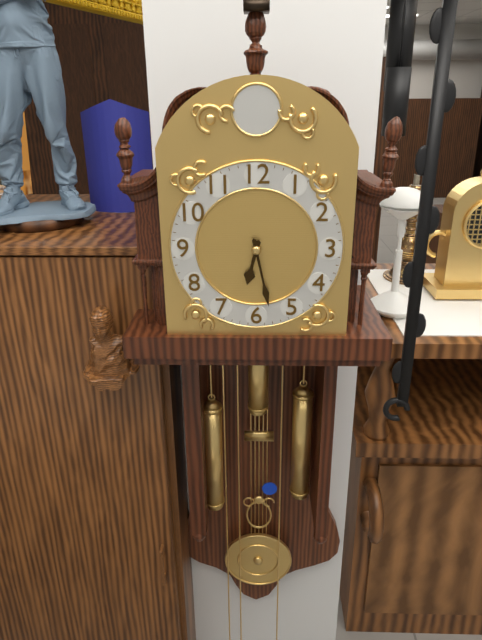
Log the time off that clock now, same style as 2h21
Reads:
6h28
